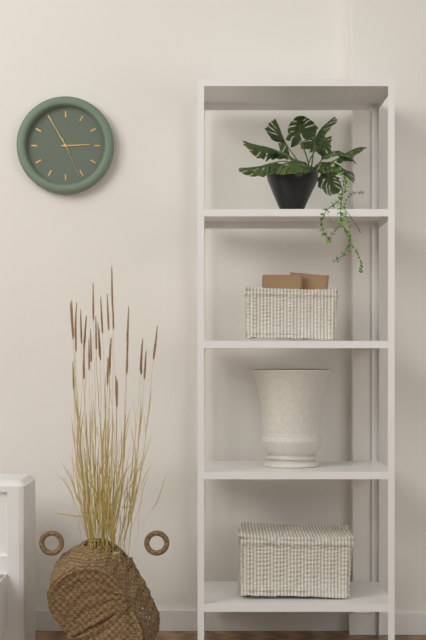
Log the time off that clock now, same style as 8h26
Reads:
2h55
